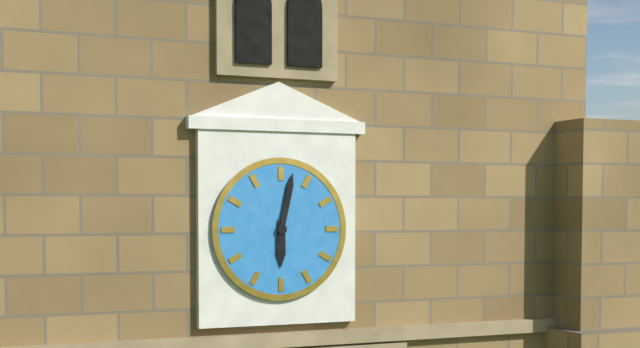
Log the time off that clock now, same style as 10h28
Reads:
6h02
